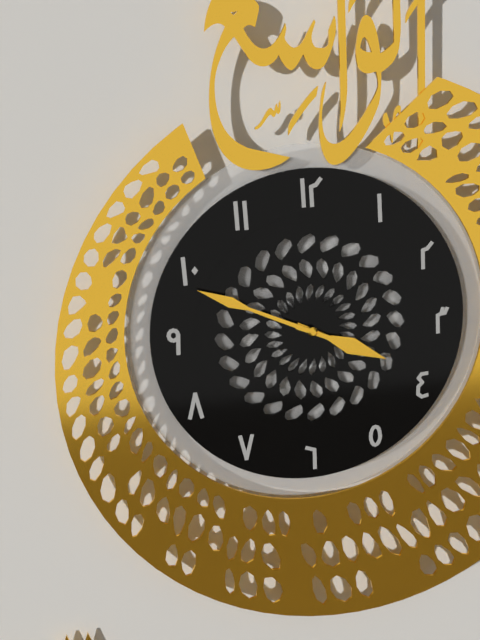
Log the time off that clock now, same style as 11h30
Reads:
3h49
